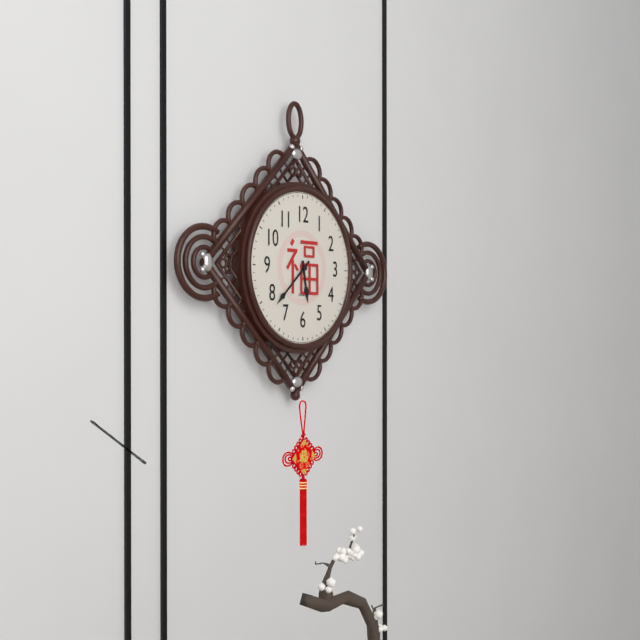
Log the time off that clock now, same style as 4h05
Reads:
5h38
